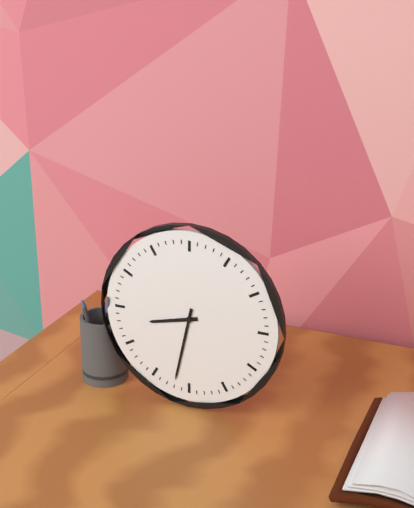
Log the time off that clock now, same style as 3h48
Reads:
8h32
